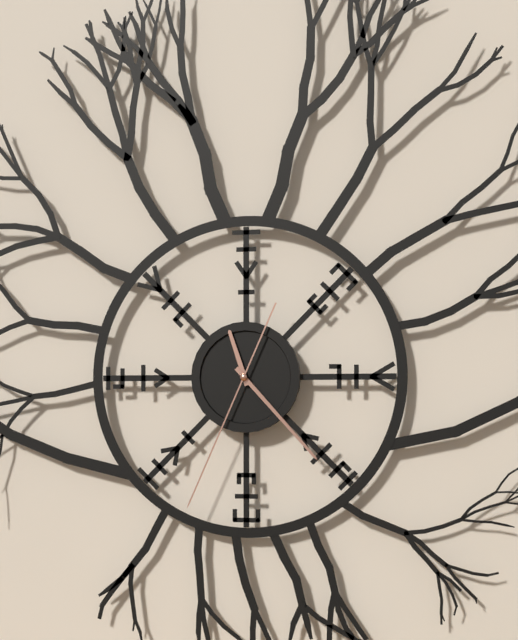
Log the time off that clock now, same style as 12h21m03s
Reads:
11h23m34s
